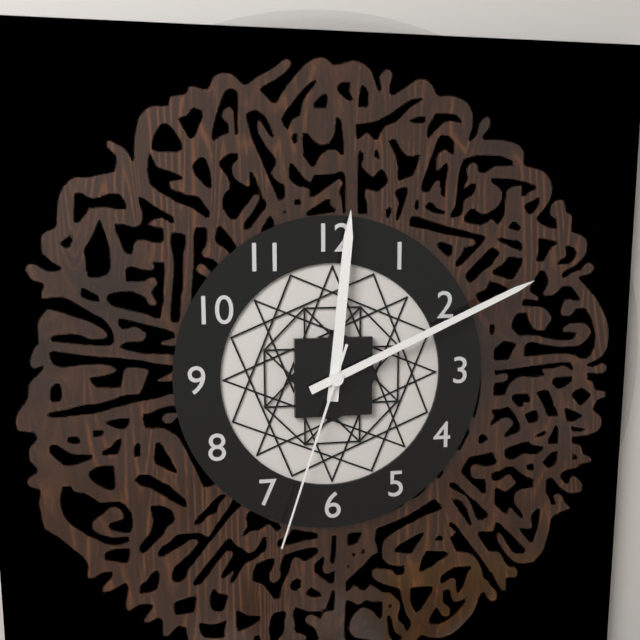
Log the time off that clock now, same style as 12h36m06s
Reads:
12h11m33s
